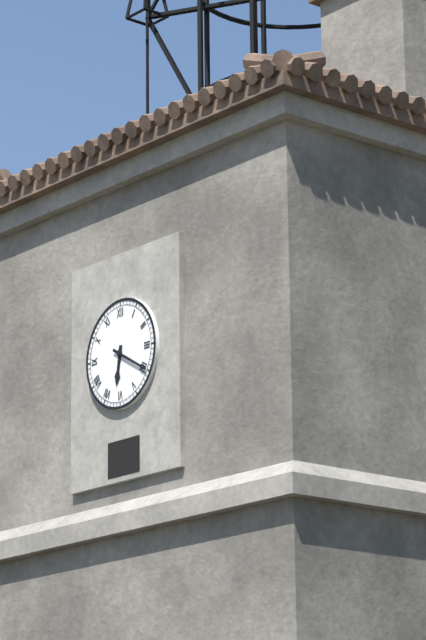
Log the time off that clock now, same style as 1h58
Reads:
6h20
